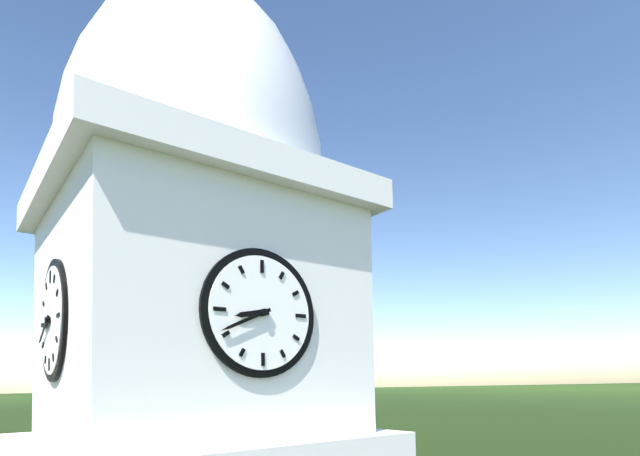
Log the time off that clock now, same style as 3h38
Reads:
8h41
